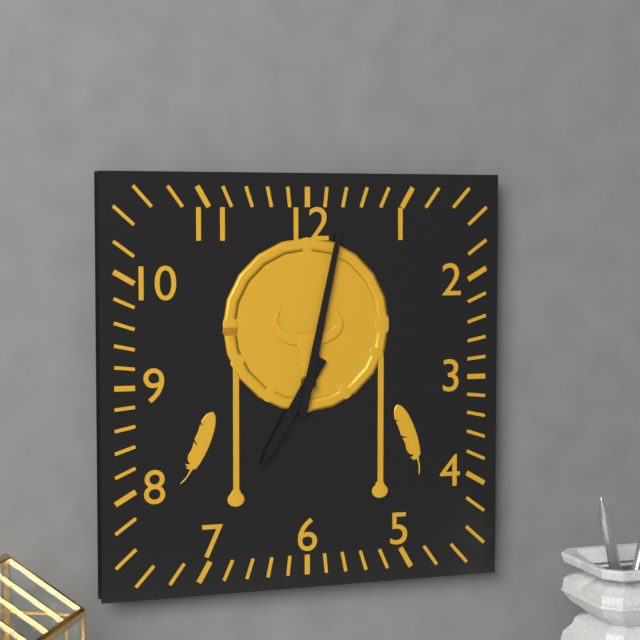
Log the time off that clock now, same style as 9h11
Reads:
7h02
